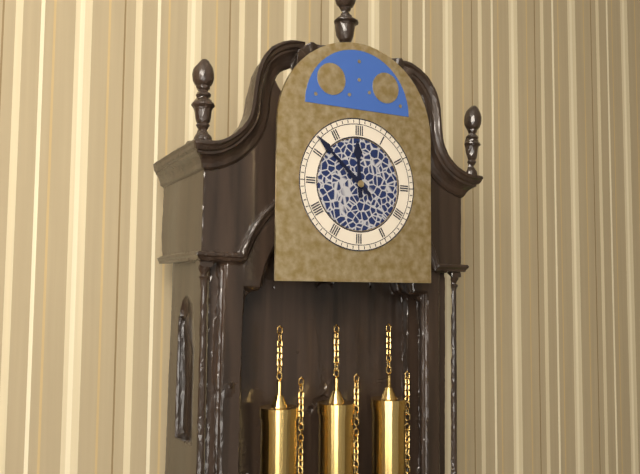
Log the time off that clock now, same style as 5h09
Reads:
11h52
